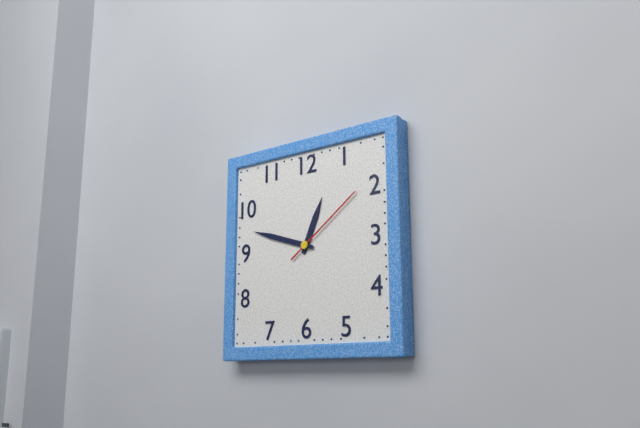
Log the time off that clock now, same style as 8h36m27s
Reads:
12h48m09s
